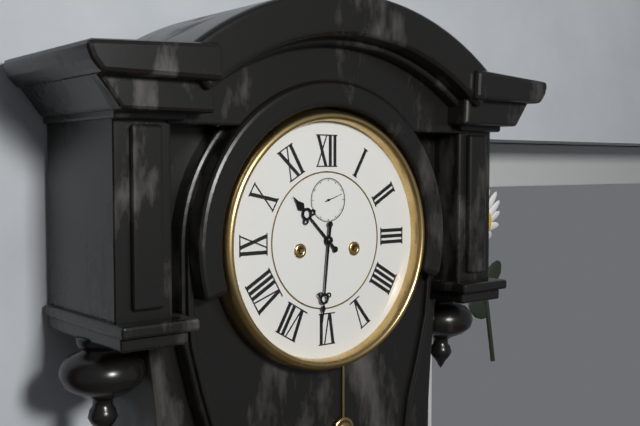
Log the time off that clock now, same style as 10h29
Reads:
10h31
